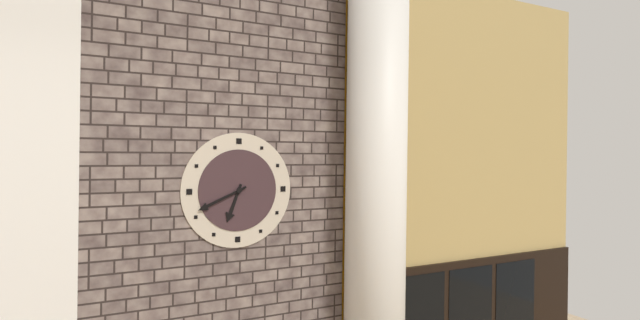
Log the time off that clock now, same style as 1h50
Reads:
6h41
